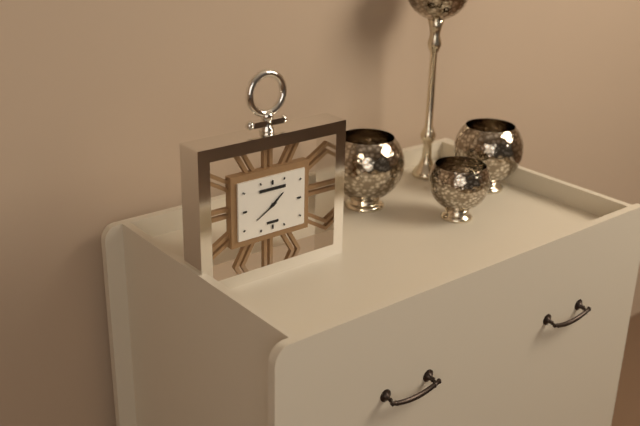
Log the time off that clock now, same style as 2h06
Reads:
1h40
